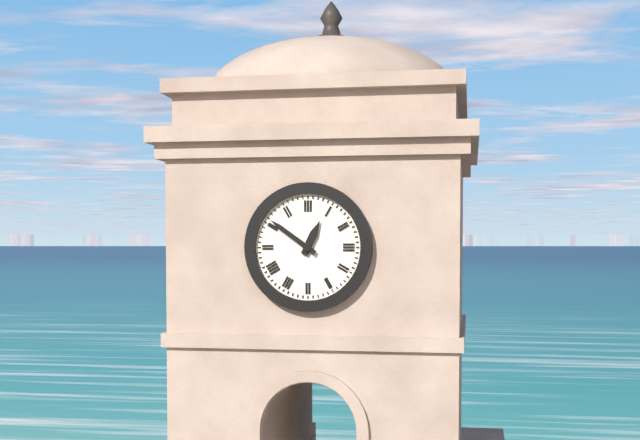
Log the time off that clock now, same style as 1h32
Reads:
12h51
